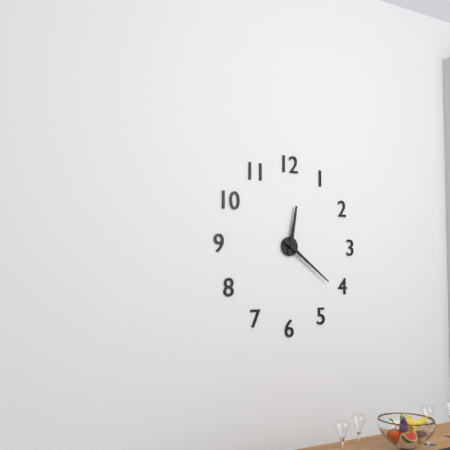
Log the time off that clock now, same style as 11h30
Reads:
12h21
